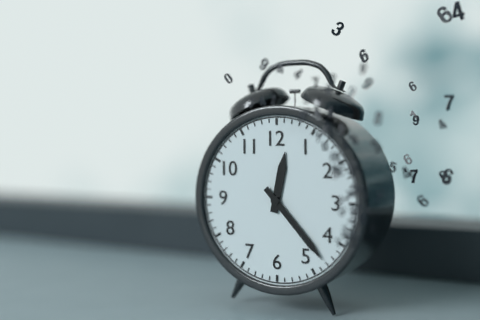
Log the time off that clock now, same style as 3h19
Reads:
12h23
